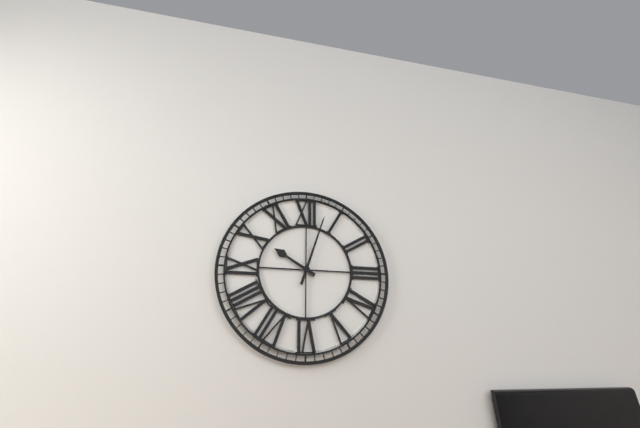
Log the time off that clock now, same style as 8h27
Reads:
10h03
